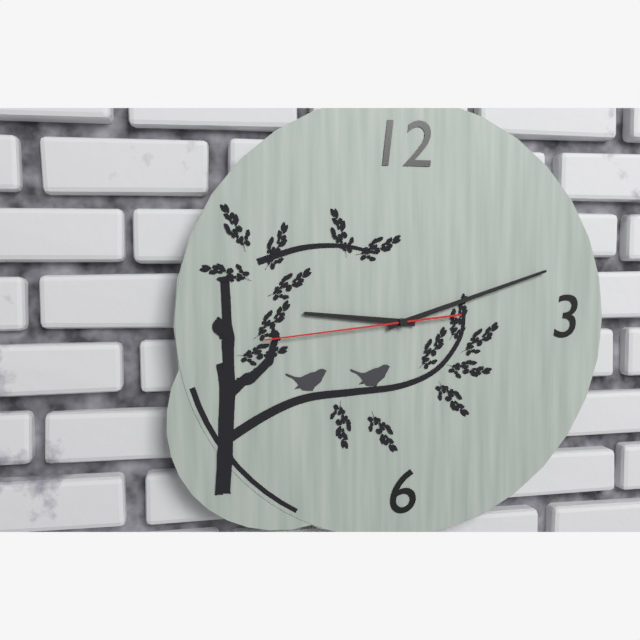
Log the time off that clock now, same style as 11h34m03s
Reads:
9h12m44s
